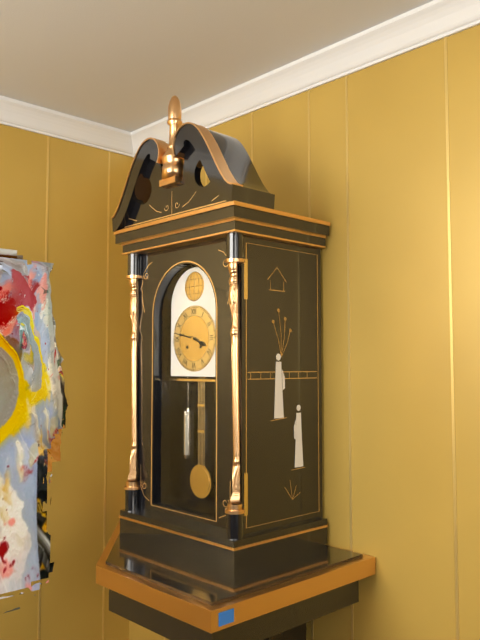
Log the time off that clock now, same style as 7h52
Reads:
3h47
